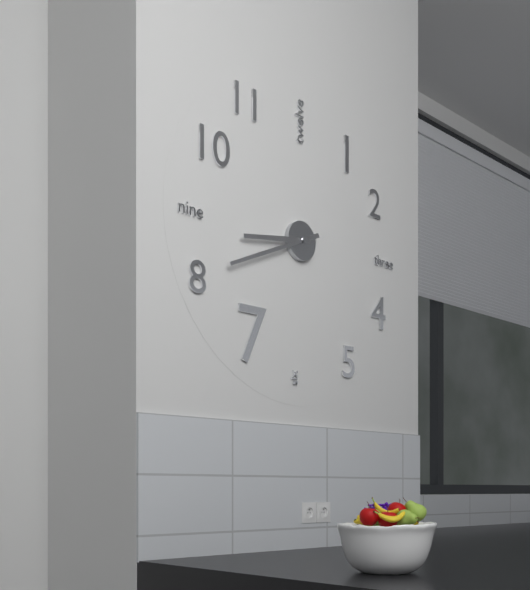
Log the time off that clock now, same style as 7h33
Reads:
8h41
